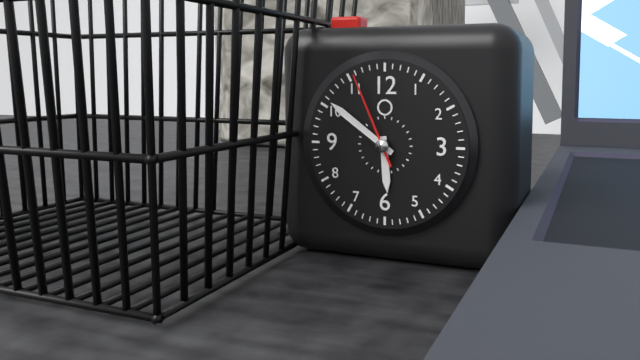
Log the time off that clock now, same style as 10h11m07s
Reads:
5h51m56s
